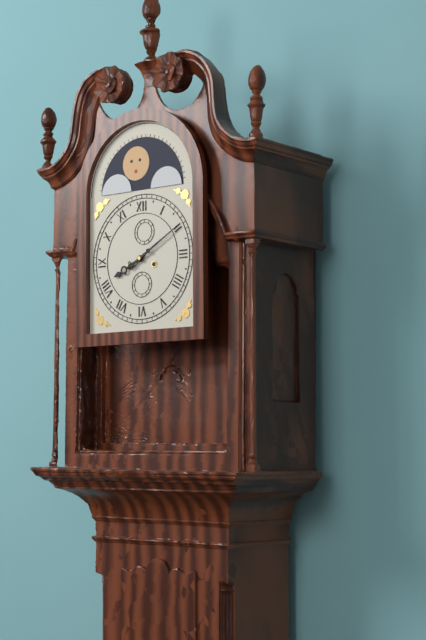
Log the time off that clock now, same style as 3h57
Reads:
8h10
